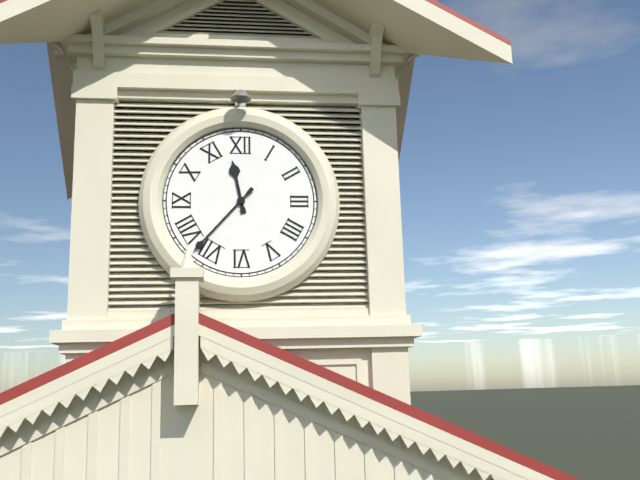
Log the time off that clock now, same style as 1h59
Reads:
11h37
